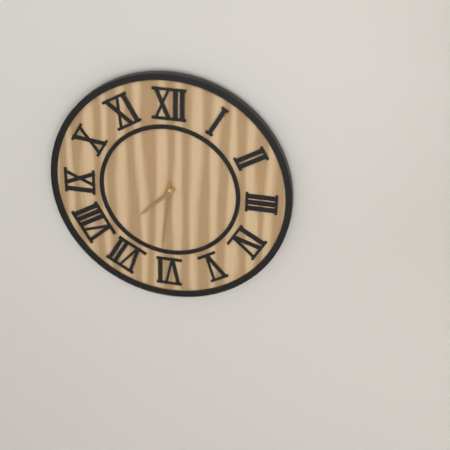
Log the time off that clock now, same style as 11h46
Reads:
7h31
